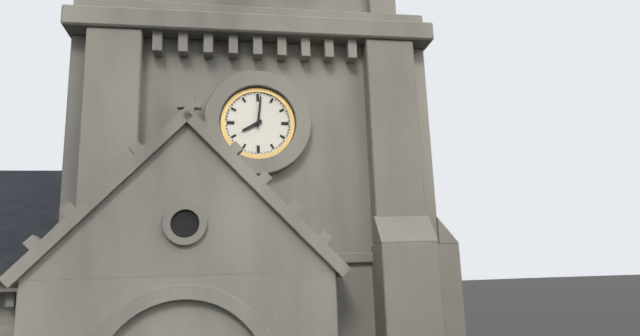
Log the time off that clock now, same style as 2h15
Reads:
8h01
